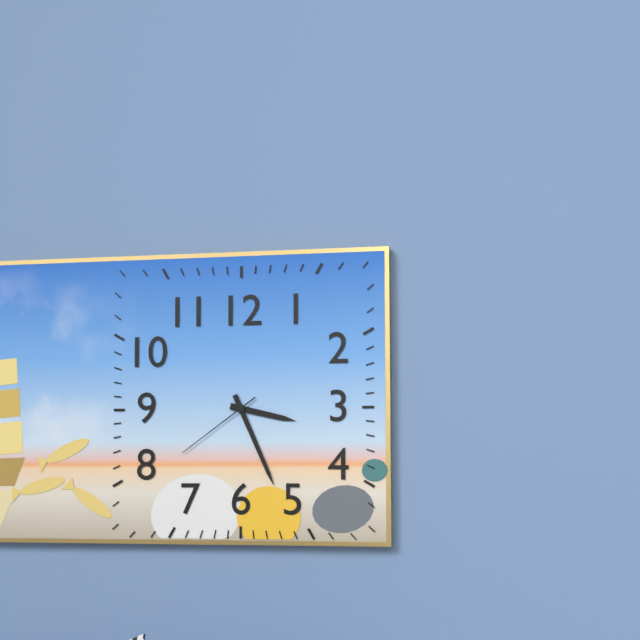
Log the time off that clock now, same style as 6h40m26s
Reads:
3h26m39s
